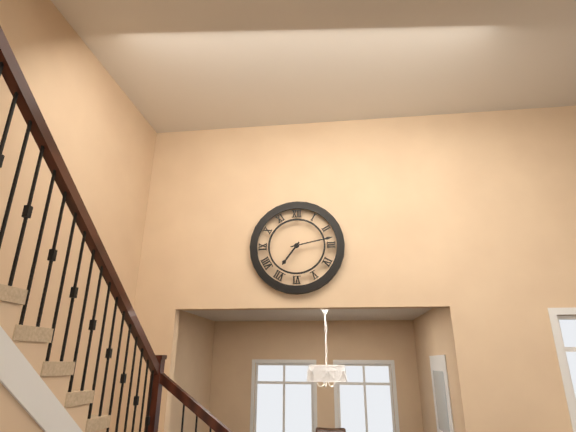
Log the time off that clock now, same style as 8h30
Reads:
7h13
